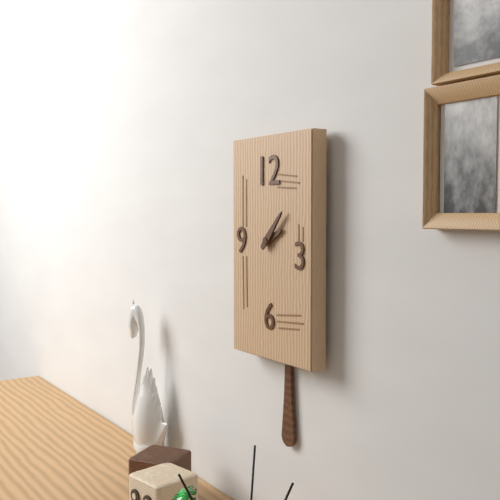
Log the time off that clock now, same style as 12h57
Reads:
2h07
